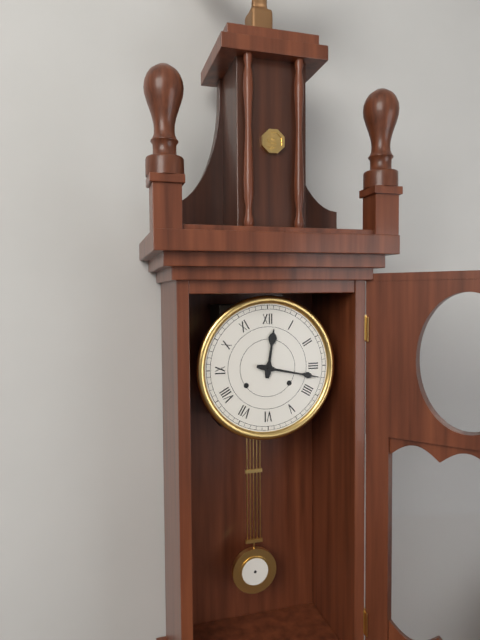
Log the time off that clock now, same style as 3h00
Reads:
12h17
